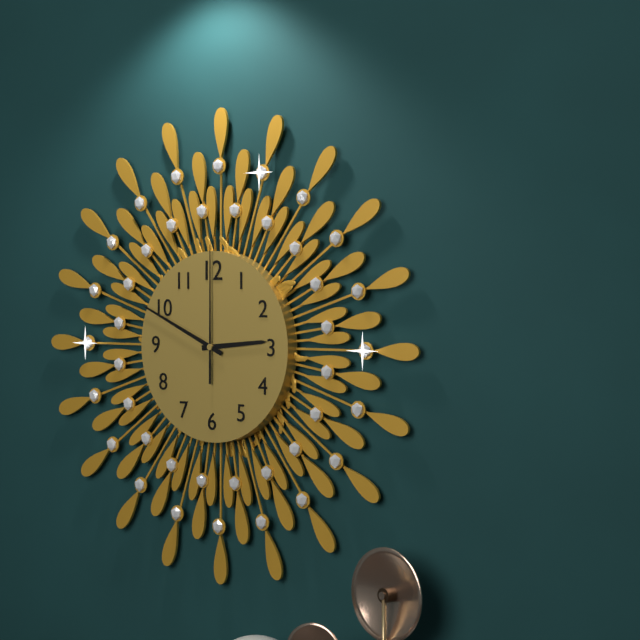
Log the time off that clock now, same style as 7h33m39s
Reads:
2h49m00s
